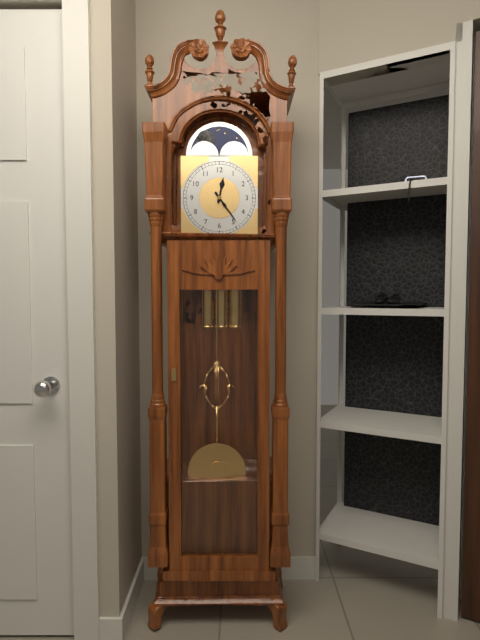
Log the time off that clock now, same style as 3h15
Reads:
12h24
